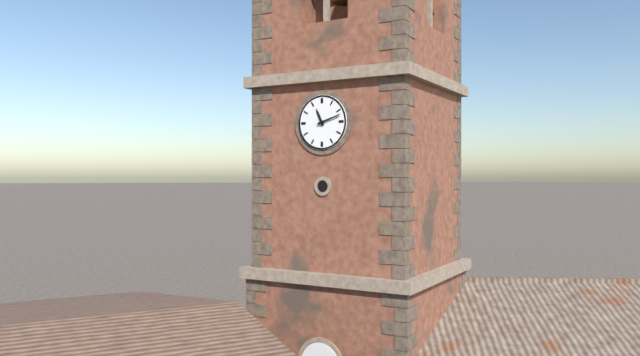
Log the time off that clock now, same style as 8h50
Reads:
11h12
